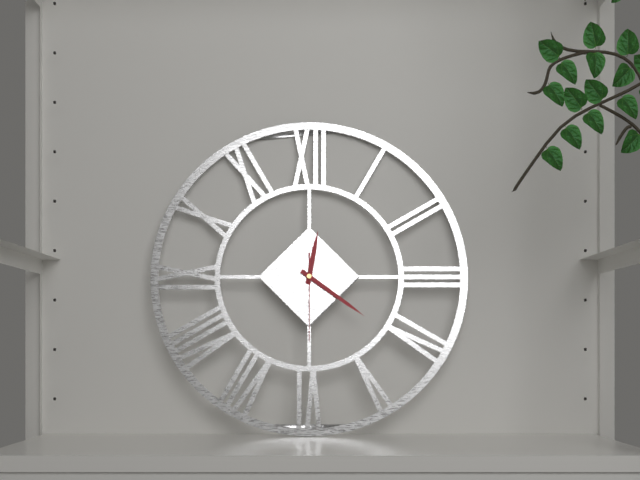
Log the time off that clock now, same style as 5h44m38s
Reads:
12h21m30s
